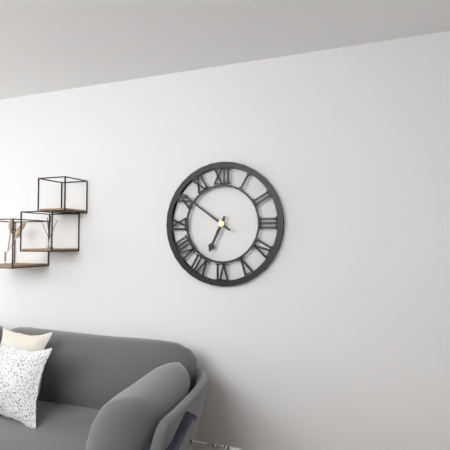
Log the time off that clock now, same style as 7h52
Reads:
6h51
